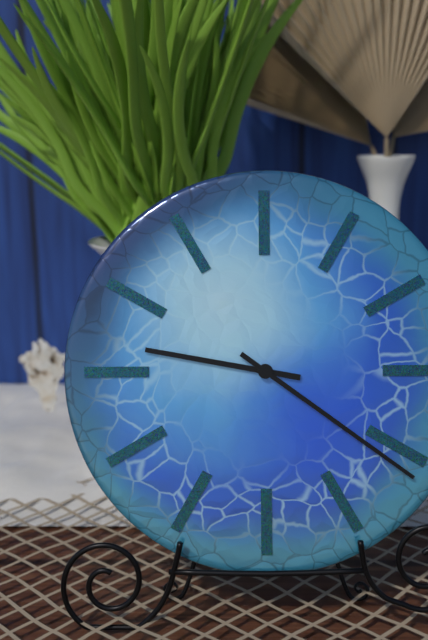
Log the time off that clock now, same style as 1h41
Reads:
9h21
